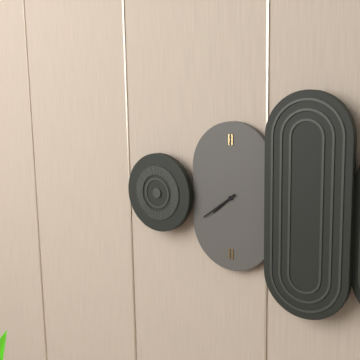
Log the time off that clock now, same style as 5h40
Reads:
7h39
